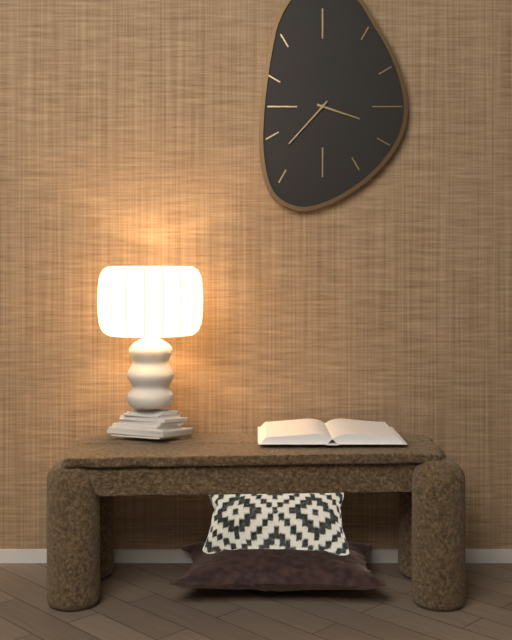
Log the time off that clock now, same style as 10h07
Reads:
3h37
